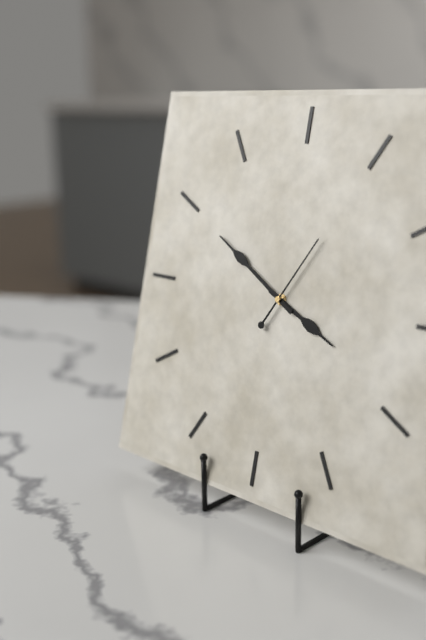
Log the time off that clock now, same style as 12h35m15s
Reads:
3h50m05s
